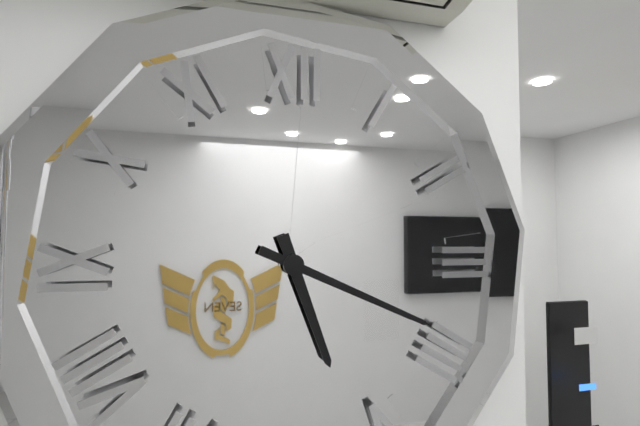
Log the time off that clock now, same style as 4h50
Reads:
5h19
